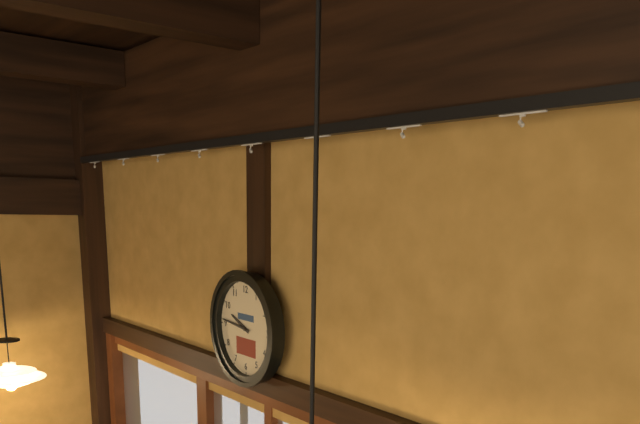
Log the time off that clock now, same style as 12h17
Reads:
9h46
